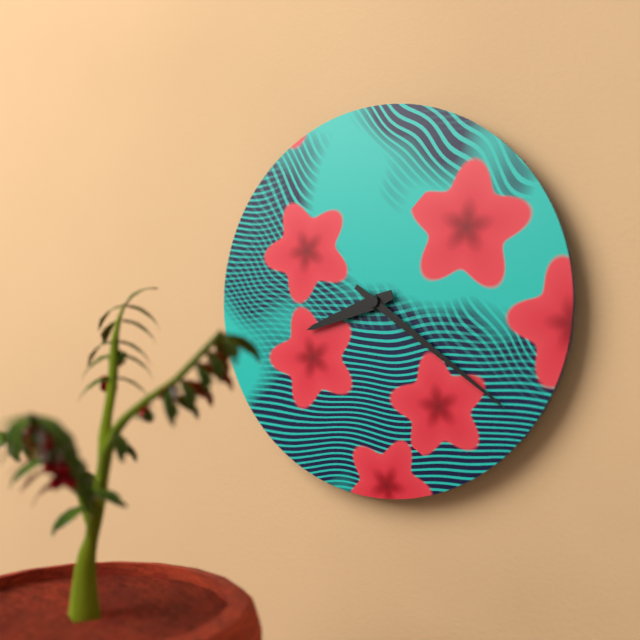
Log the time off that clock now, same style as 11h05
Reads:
8h21
